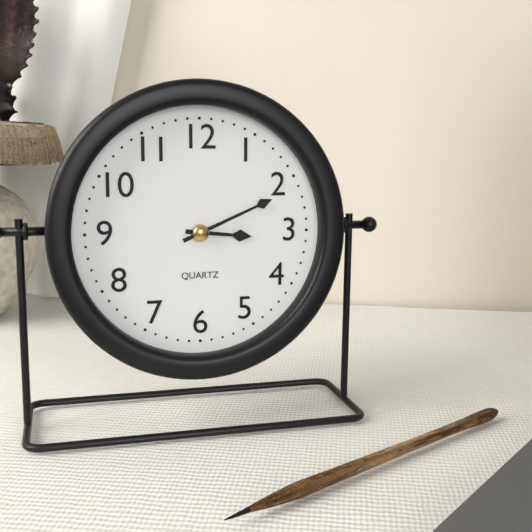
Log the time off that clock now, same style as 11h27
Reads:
3h11
